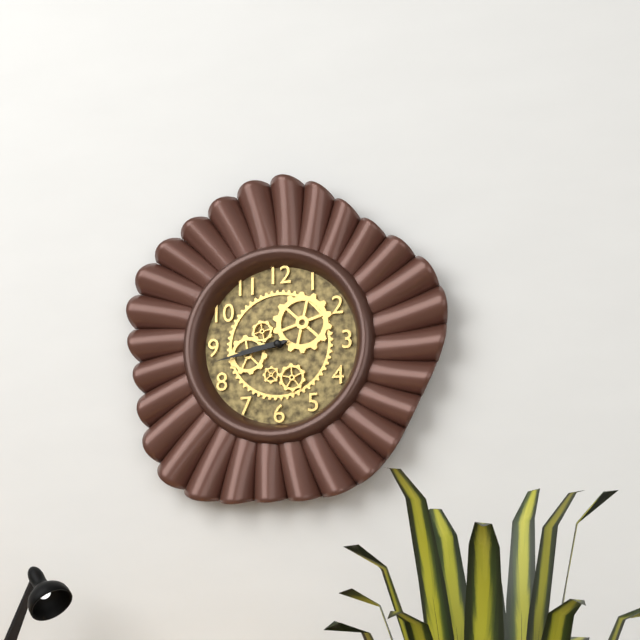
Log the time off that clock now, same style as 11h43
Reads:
8h43
